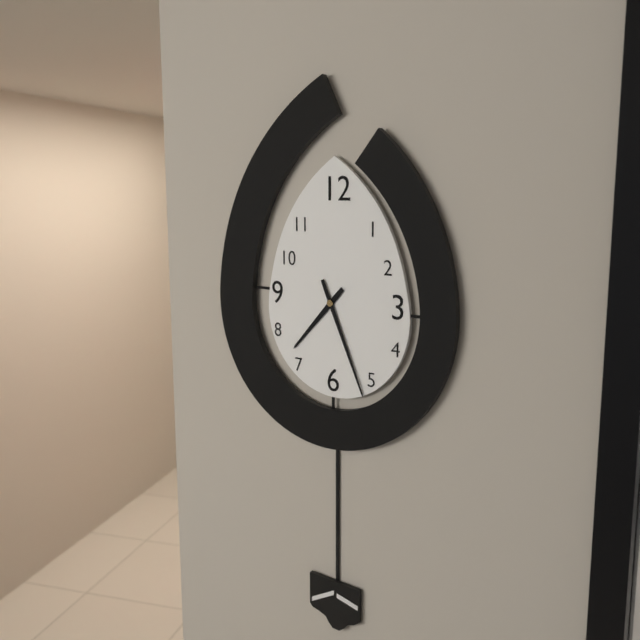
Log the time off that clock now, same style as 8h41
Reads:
7h26
